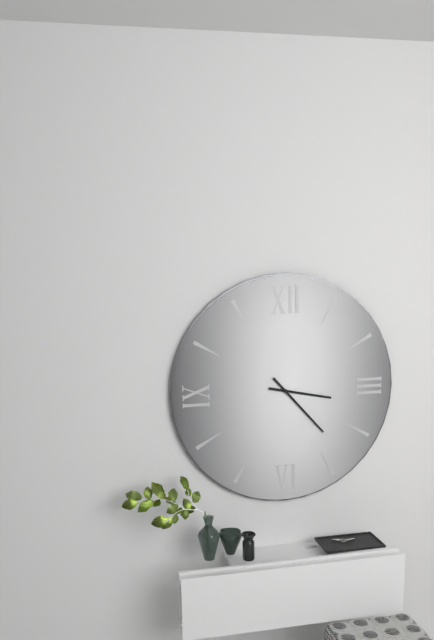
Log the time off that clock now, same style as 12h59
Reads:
3h23
